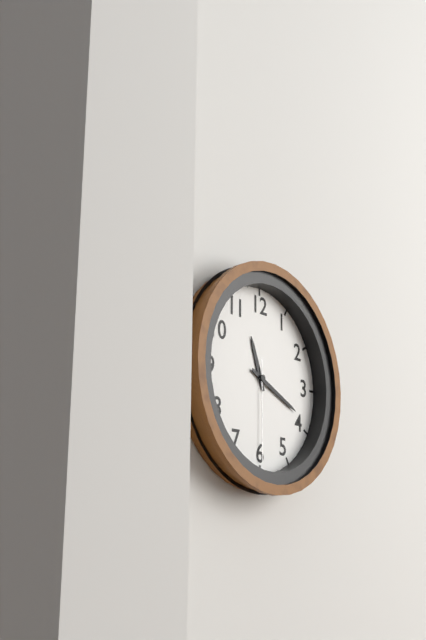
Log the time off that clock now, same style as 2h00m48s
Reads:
11h19m30s
